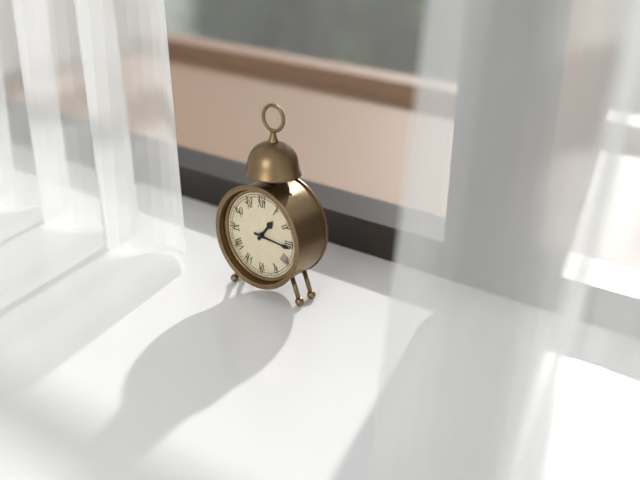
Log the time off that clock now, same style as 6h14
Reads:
1h16
